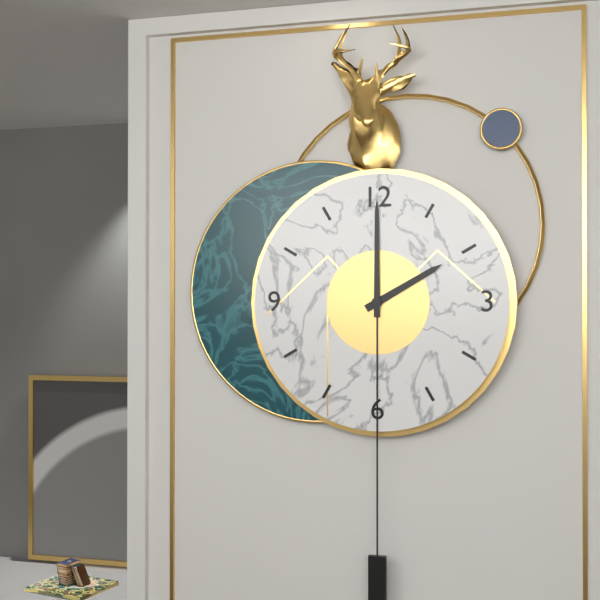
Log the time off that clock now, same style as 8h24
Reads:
2h00
